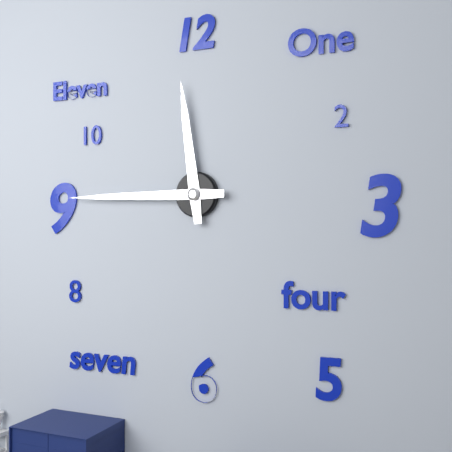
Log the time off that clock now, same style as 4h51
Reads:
11h45
